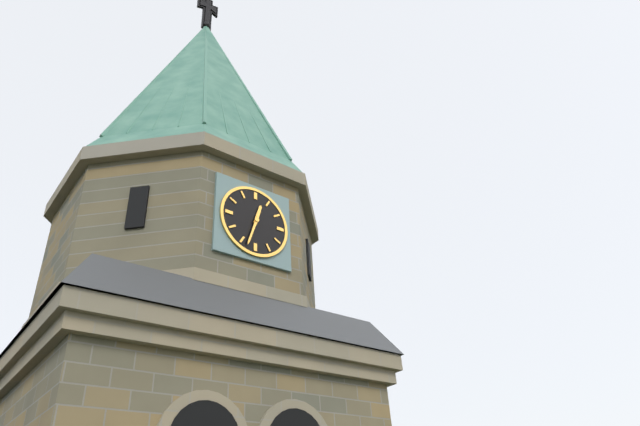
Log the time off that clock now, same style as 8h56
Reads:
12h33
